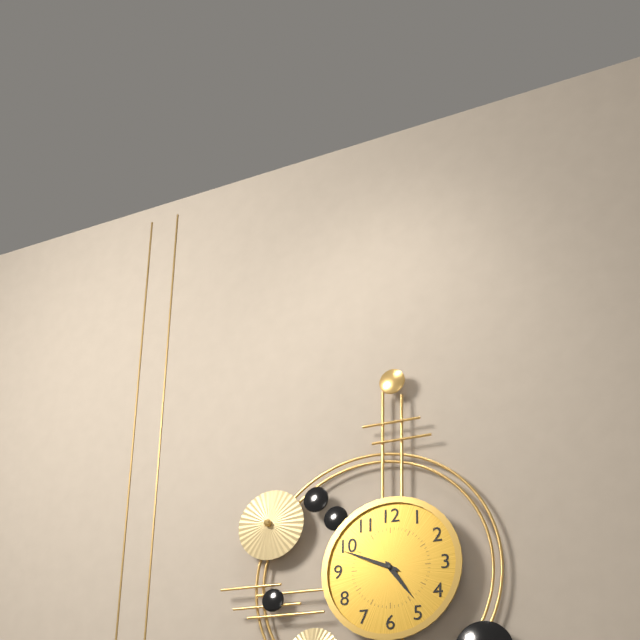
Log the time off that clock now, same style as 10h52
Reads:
4h49
